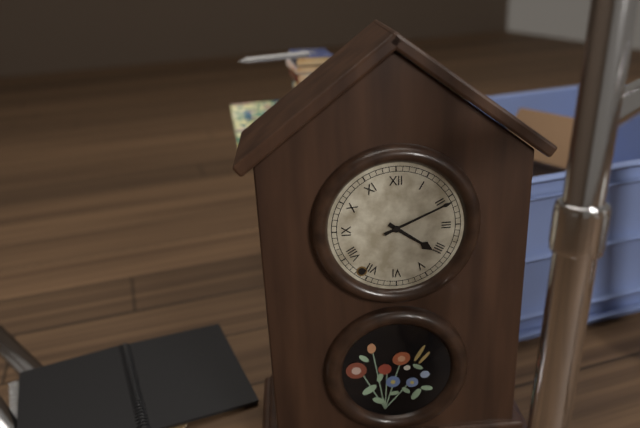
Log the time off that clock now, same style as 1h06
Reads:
4h11
